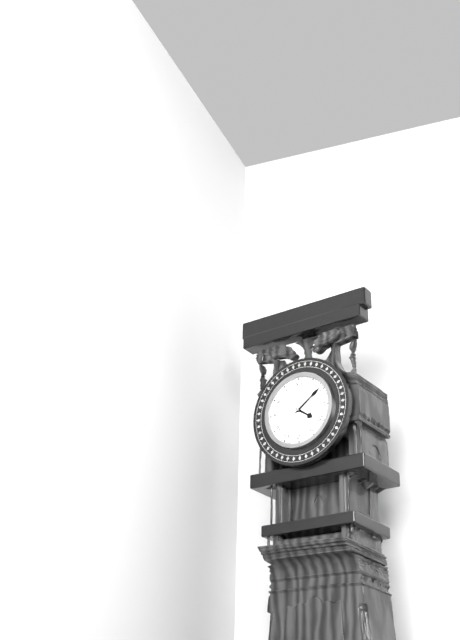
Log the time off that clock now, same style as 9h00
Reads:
4h09
